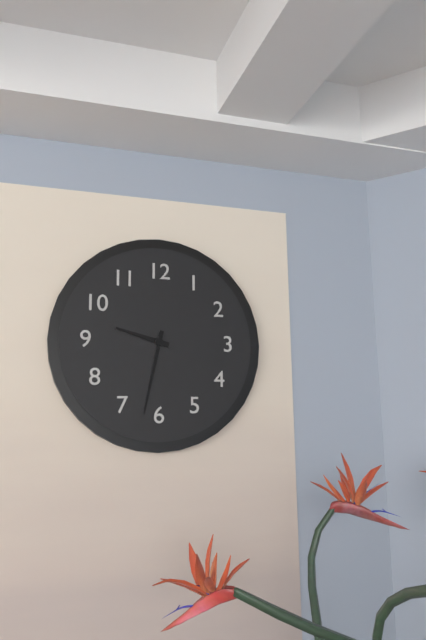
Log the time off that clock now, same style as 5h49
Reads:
9h32
